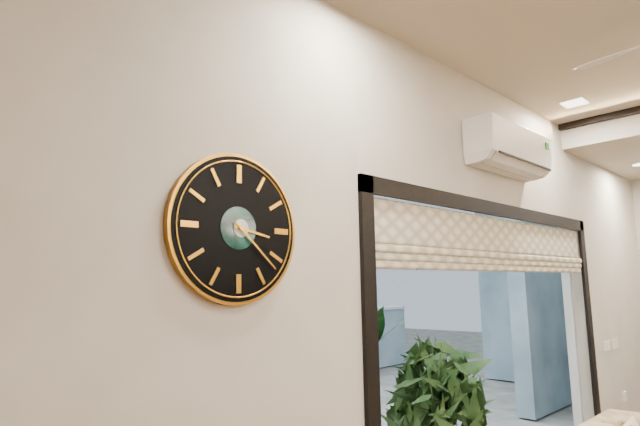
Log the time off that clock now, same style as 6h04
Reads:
3h22
